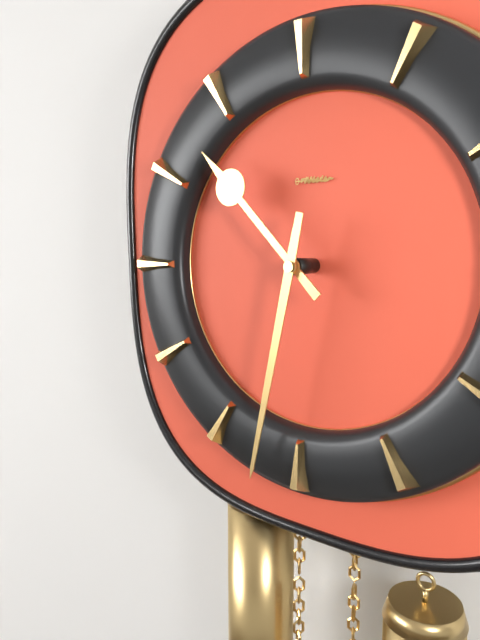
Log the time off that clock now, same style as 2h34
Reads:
10h32
